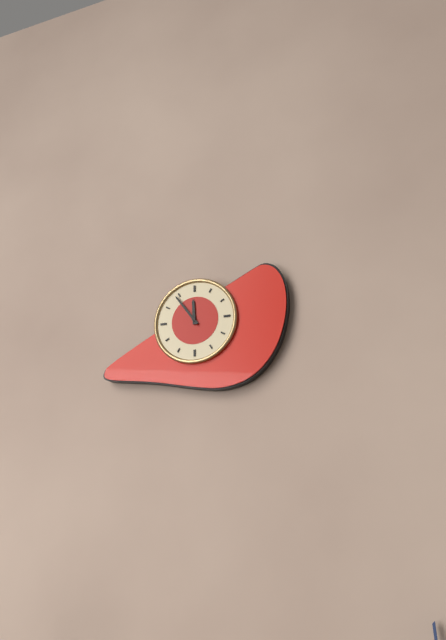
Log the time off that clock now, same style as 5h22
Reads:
11h54
